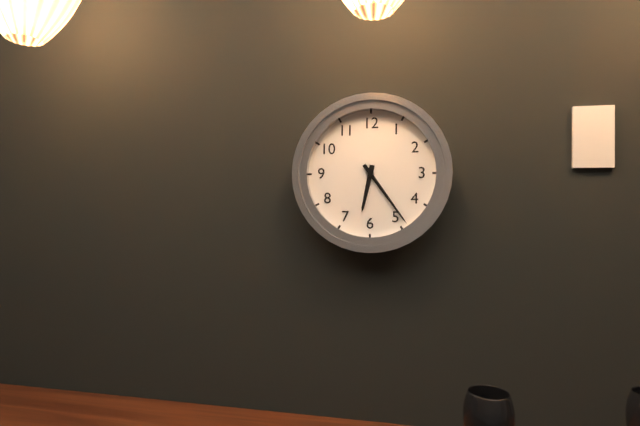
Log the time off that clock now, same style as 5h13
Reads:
6h24
